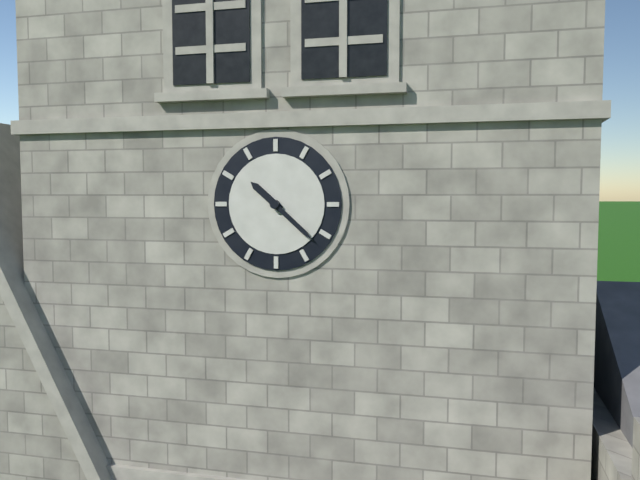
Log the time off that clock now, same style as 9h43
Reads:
10h22
